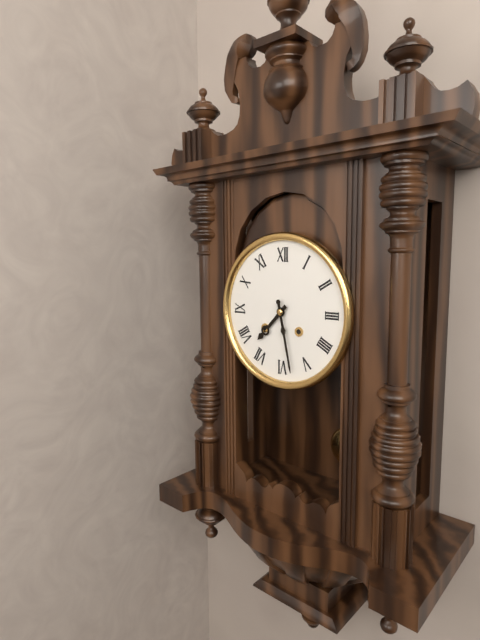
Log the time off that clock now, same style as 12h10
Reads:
7h28
